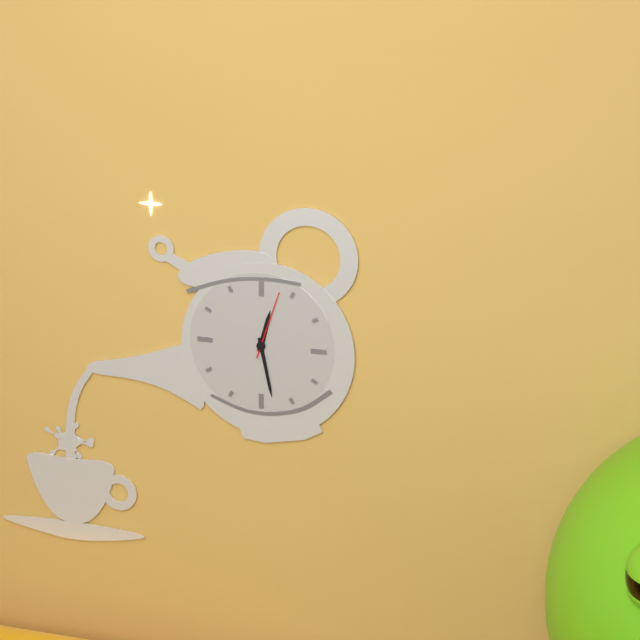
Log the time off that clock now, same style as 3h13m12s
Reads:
12h28m03s
